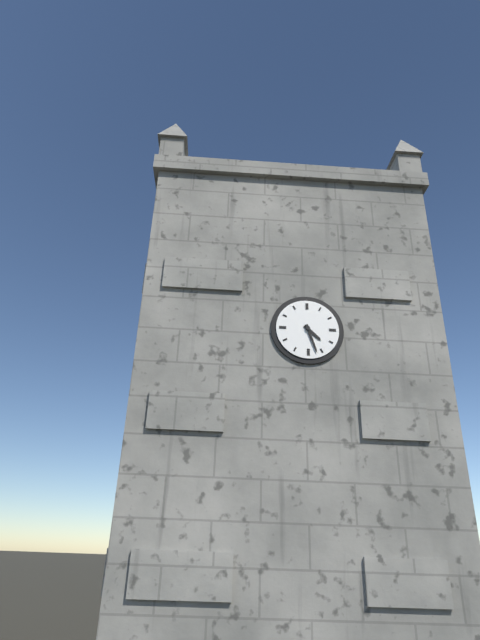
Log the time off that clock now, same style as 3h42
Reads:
4h27
